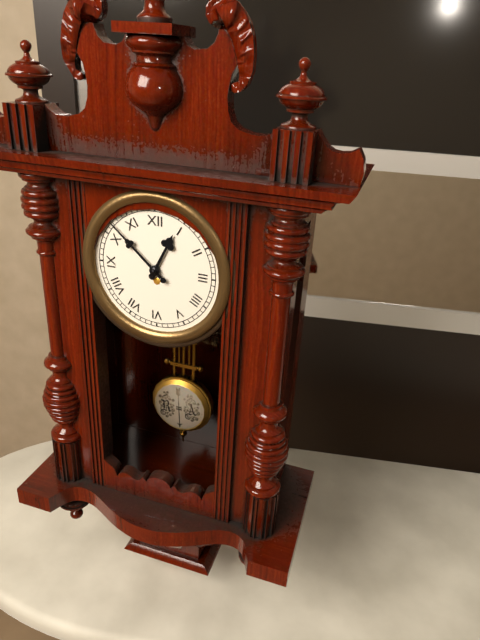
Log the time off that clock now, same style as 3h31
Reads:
12h52
